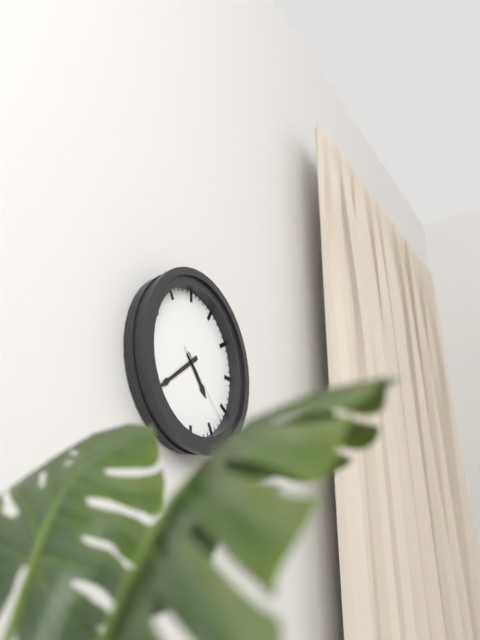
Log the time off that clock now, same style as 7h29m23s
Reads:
4h39m22s
